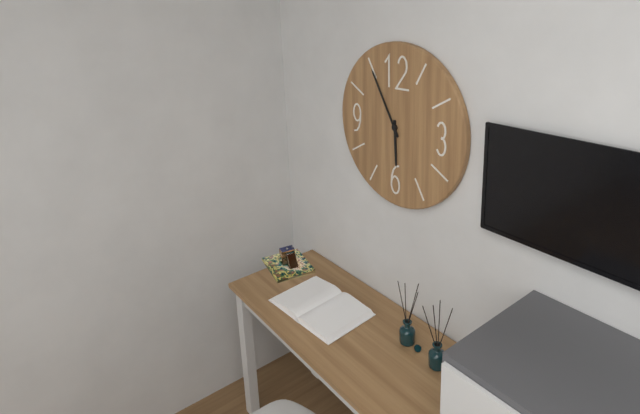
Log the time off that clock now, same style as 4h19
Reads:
5h55
